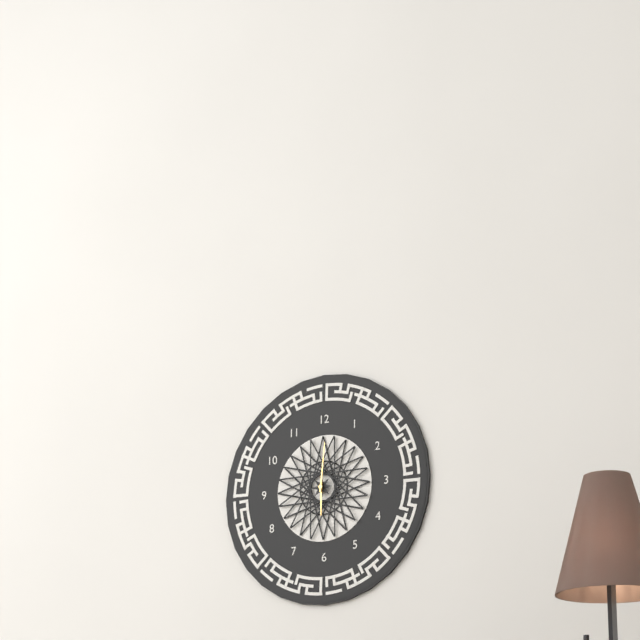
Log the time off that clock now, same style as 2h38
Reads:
6h01
